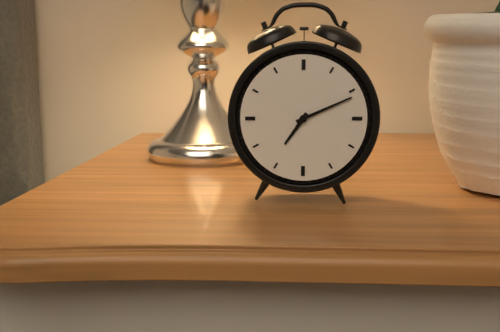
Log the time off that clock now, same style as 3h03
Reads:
7h11
